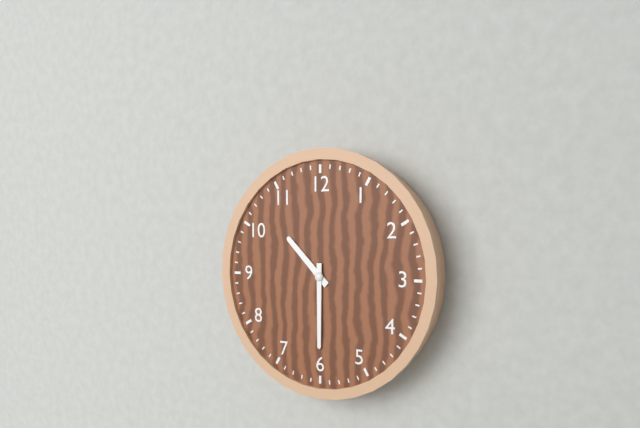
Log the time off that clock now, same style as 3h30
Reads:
10h30
